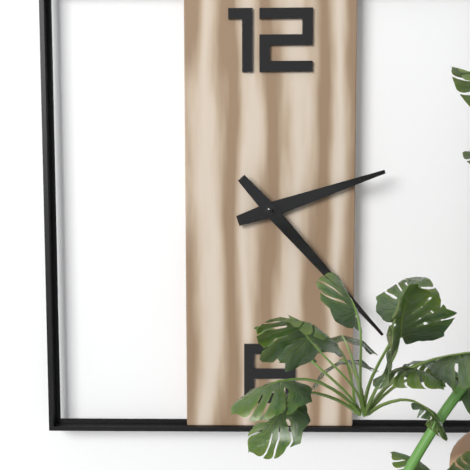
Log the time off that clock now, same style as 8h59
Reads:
2h23
